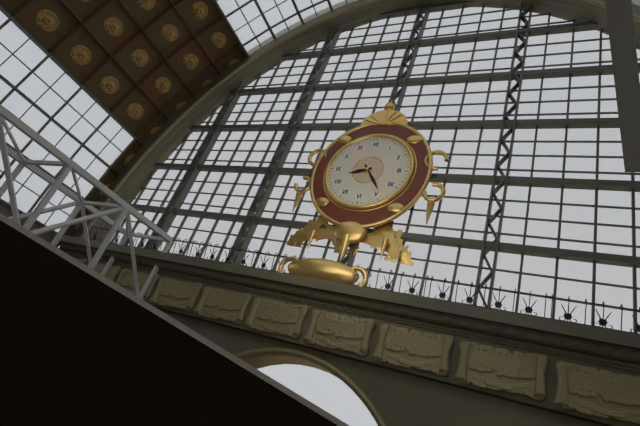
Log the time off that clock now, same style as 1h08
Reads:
8h24
